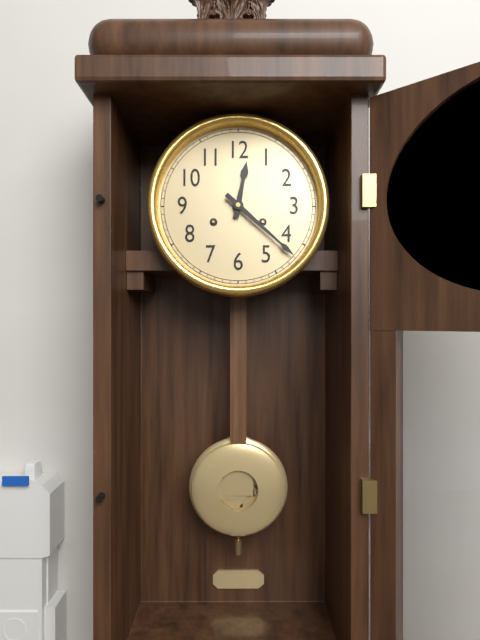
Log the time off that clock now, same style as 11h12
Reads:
12h22
